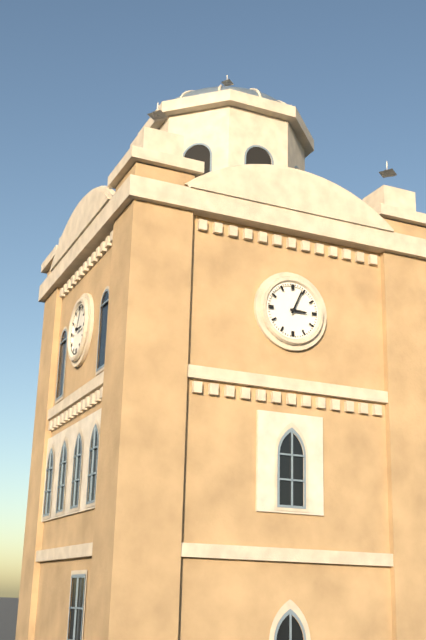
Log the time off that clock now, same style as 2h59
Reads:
3h04
